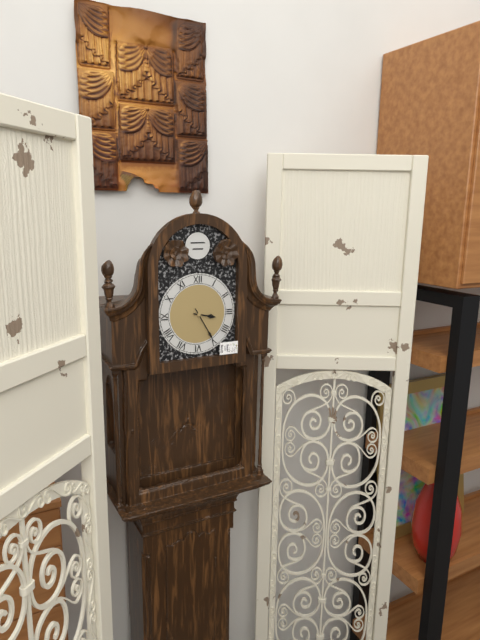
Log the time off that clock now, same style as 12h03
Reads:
3h25
